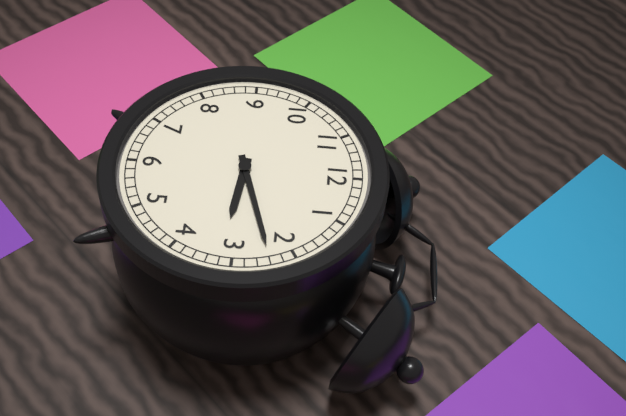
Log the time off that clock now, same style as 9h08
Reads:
3h12
